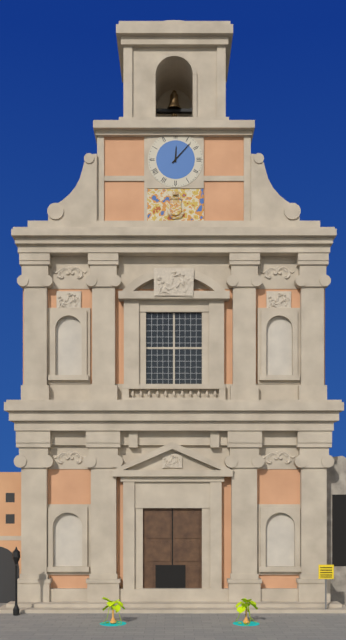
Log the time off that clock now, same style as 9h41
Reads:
12h07
